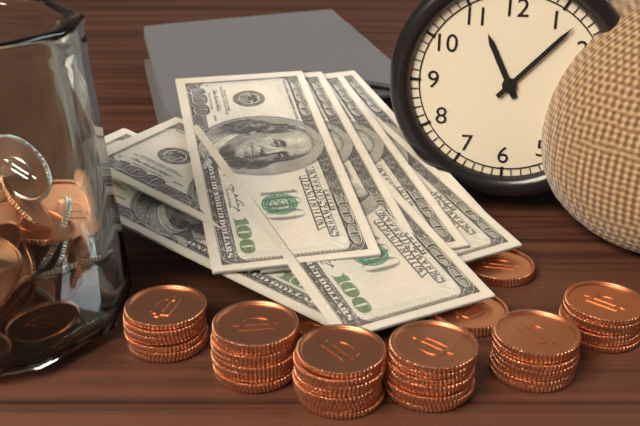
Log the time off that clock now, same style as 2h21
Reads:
11h07
